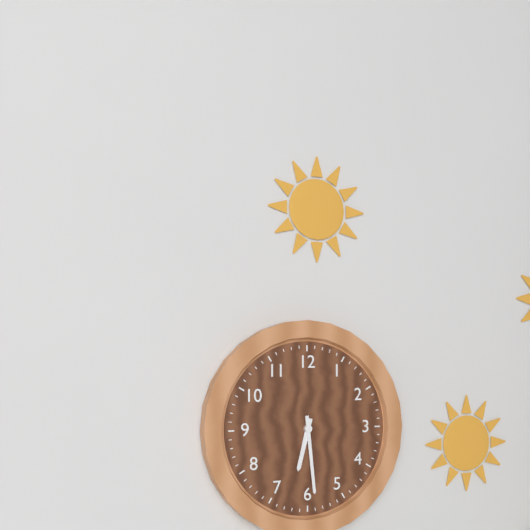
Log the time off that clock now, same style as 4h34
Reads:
6h29
